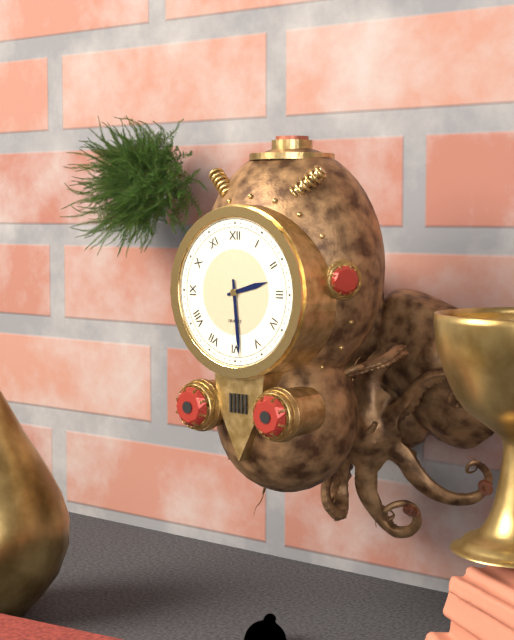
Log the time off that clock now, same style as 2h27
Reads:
2h29
